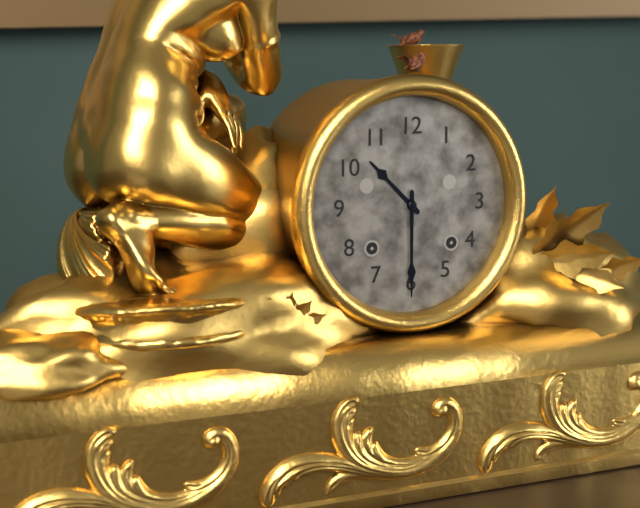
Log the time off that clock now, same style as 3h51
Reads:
10h30
